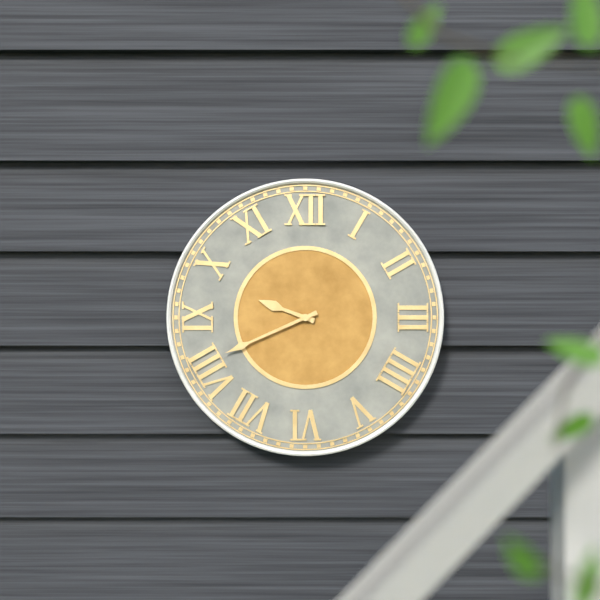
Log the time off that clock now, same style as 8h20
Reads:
9h41
